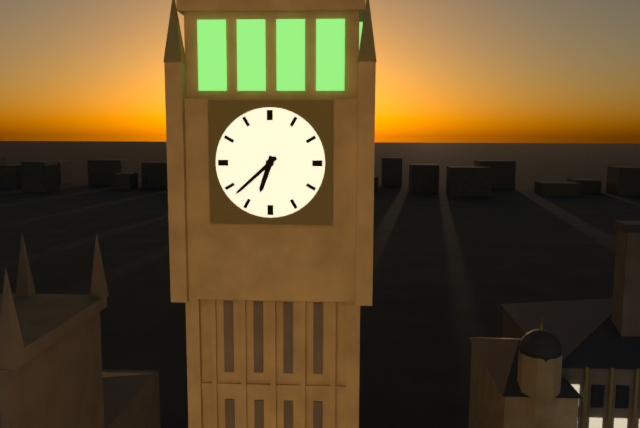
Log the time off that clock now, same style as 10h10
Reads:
6h38
